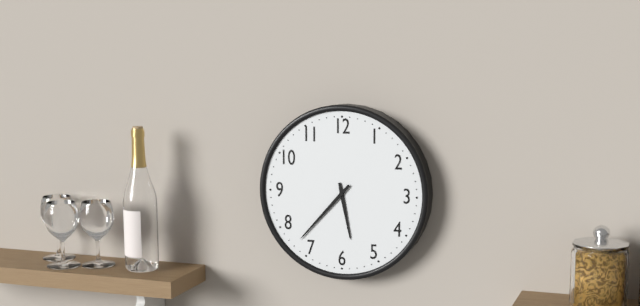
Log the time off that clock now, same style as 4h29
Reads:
5h37
